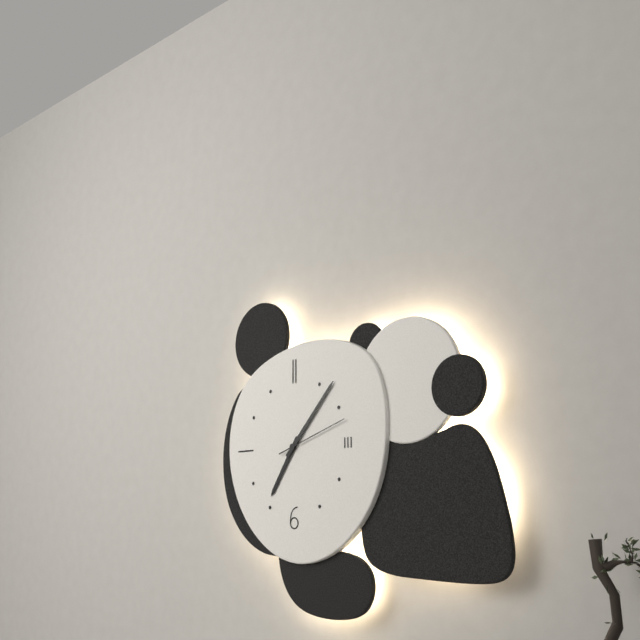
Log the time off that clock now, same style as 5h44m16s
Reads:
7h07m12s
